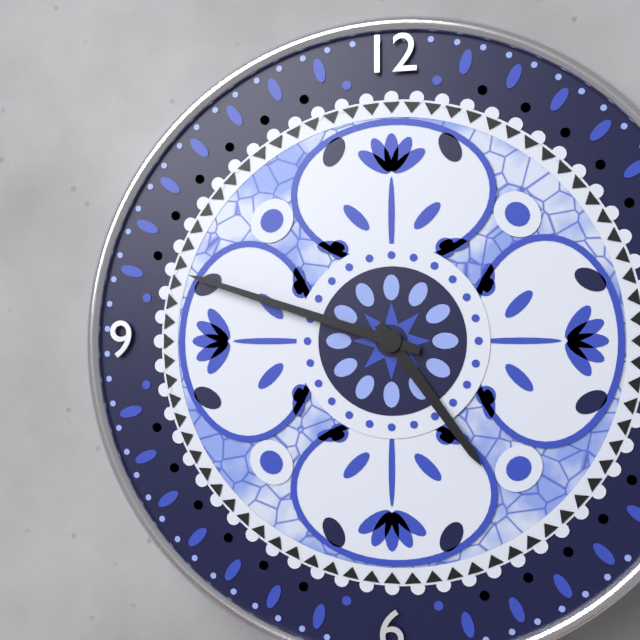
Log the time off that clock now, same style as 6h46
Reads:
4h48
